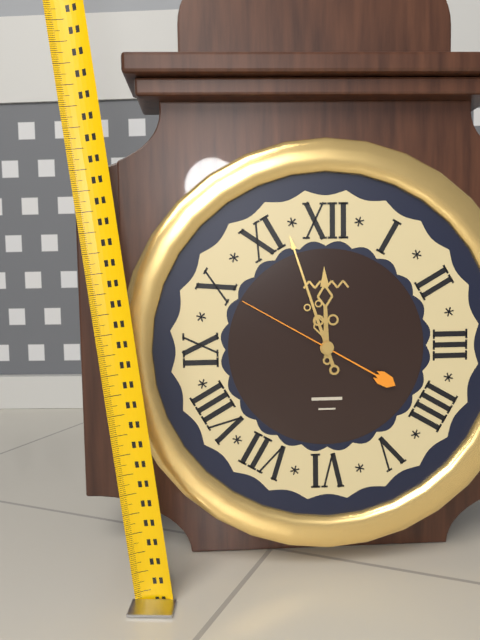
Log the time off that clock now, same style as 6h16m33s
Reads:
11h57m50s
